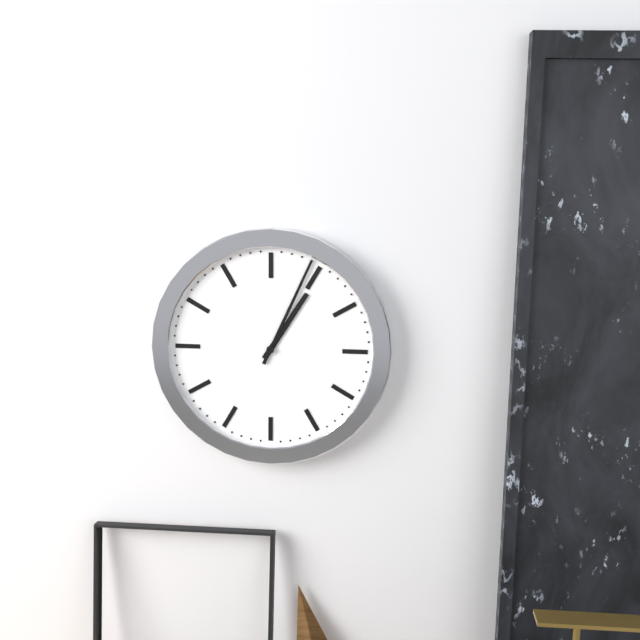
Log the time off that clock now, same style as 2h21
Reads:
1h04
